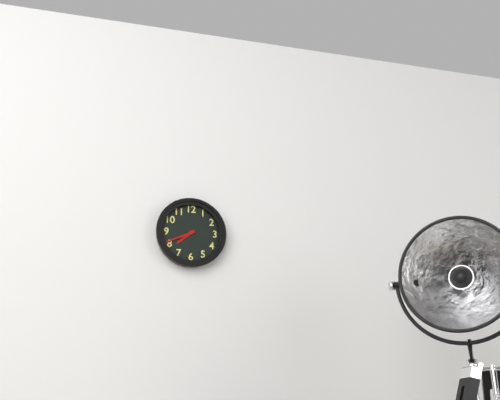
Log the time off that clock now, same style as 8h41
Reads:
7h41
